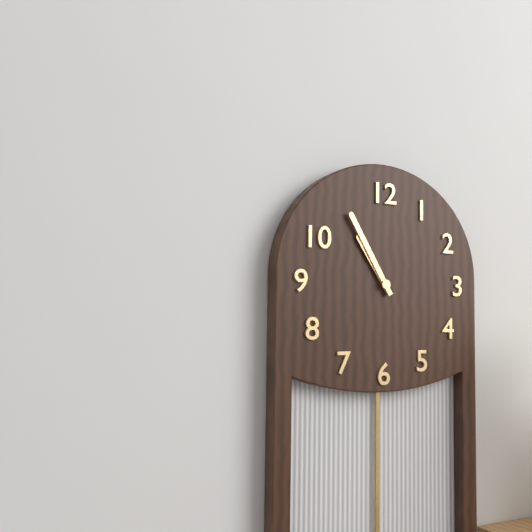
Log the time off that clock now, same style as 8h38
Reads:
10h55
